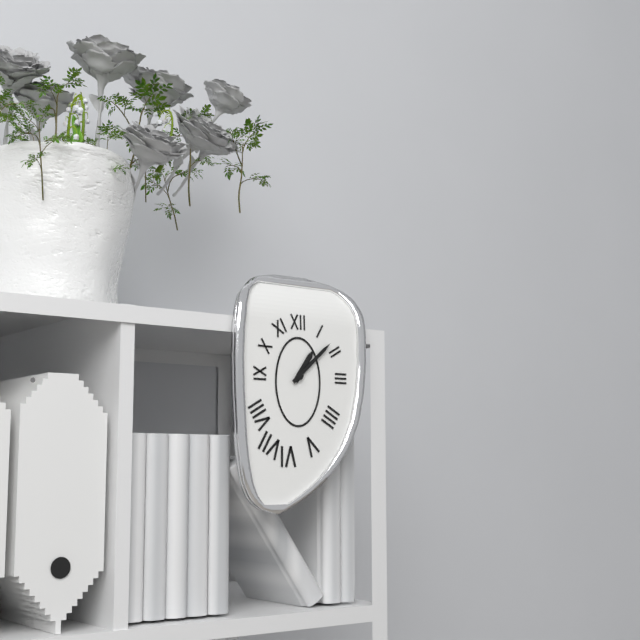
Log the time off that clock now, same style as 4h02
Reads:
1h08
